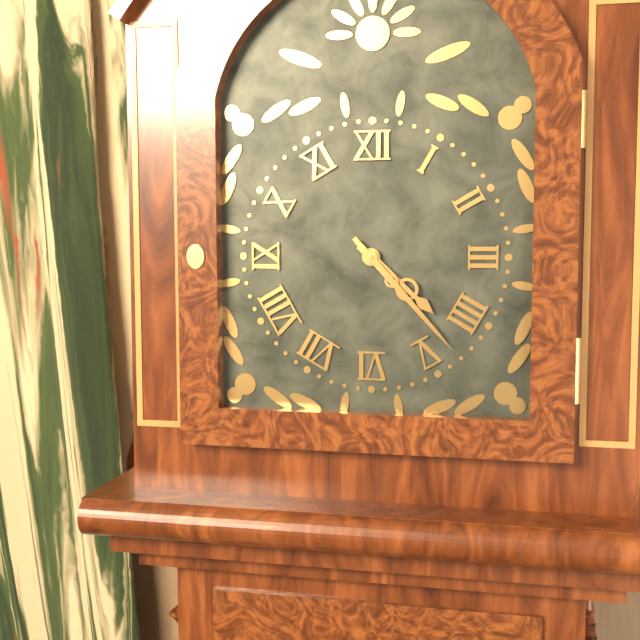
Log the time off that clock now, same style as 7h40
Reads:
4h23
